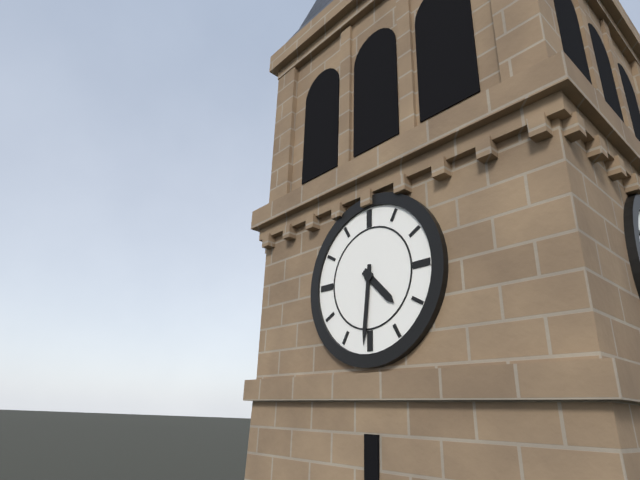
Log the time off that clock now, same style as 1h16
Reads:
4h31
